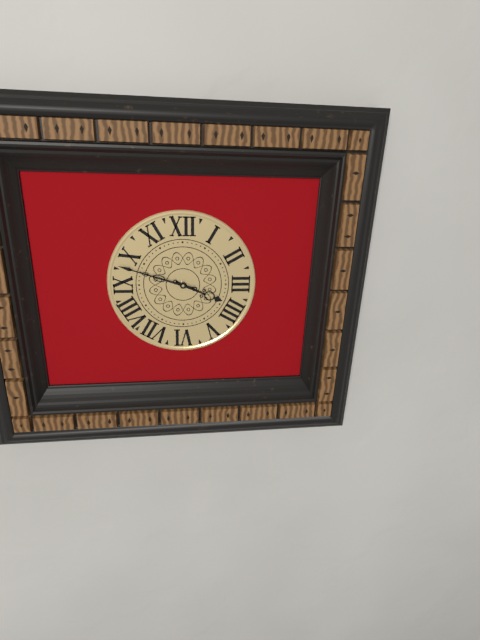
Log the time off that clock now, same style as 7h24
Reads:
3h48
